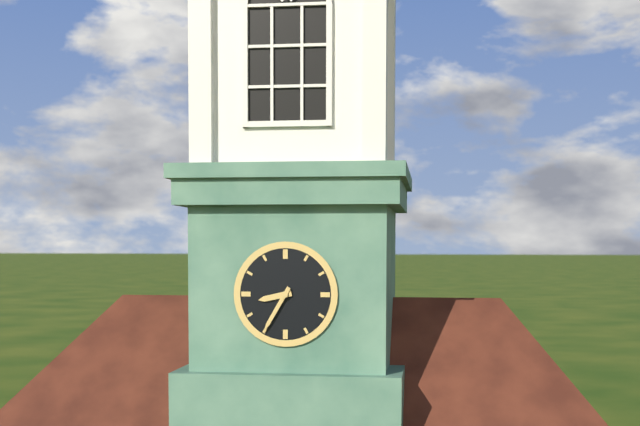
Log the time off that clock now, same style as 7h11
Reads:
8h35
